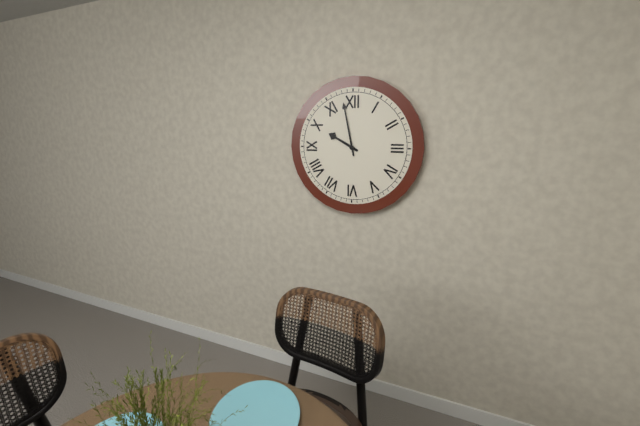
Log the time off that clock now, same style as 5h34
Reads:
9h58
